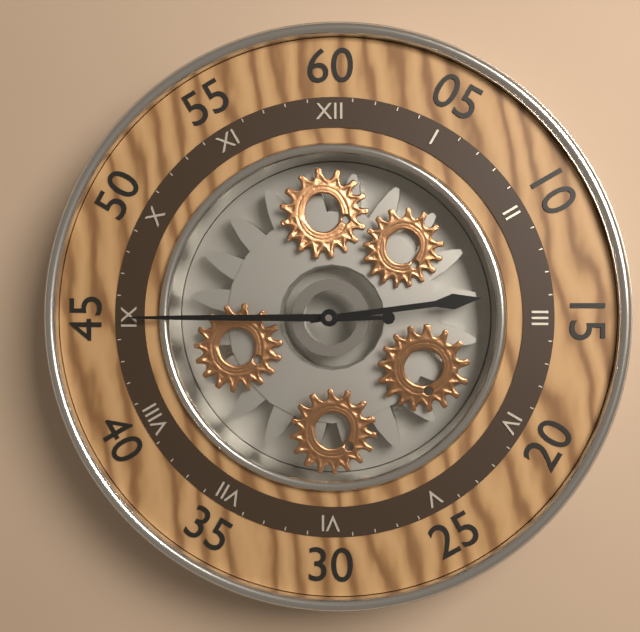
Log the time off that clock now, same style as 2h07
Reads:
2h45
